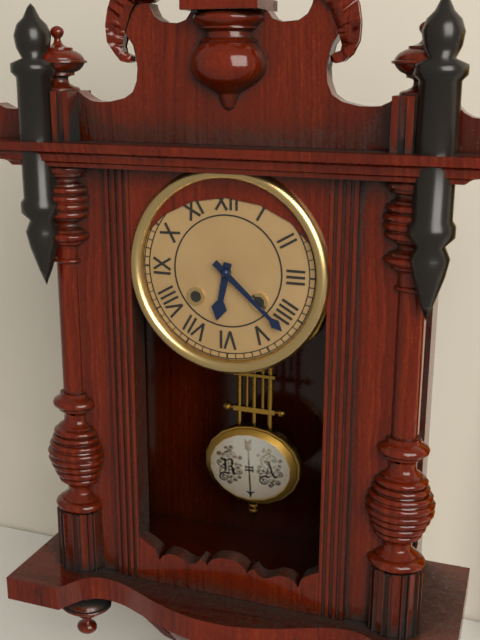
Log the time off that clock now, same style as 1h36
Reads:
6h22
